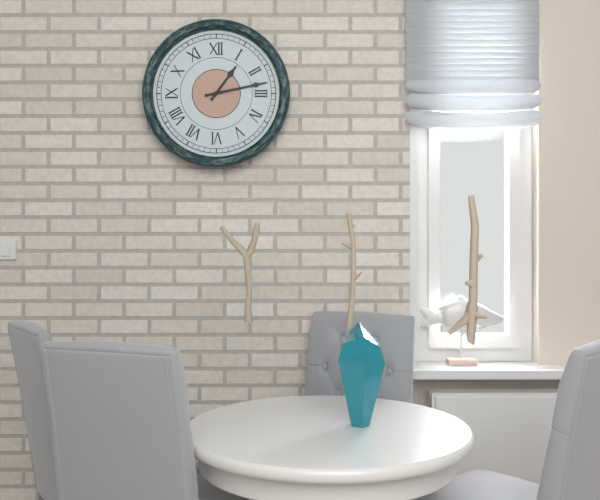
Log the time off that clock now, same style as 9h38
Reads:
1h13
